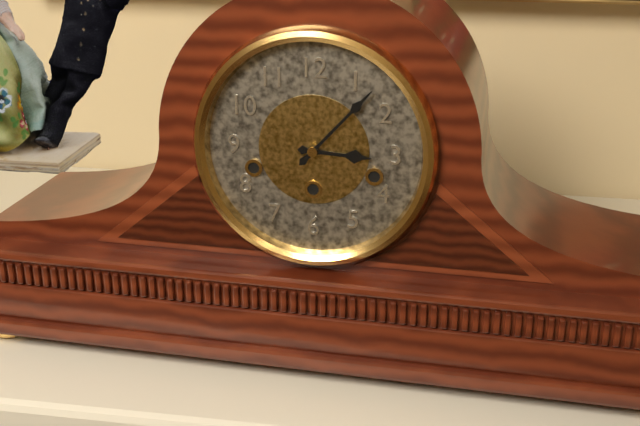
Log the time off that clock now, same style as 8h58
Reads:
3h07
